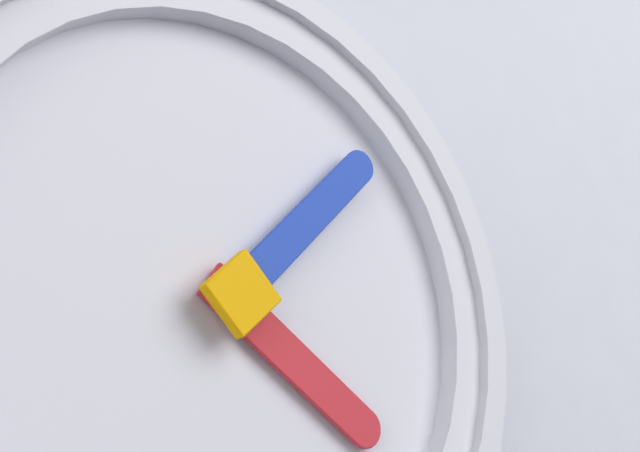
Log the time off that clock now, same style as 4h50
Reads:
4h07
